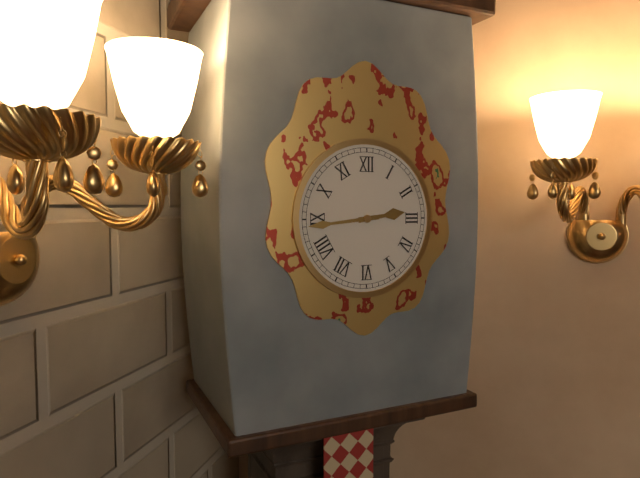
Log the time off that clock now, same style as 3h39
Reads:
2h44
